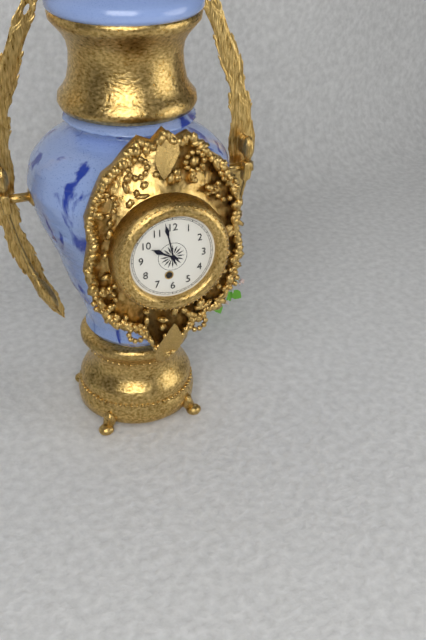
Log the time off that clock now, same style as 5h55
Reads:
9h58
